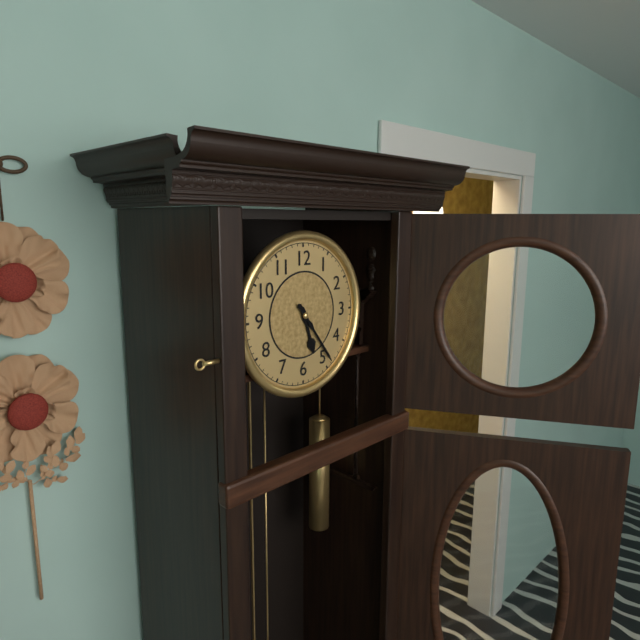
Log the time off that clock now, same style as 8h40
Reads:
5h24
